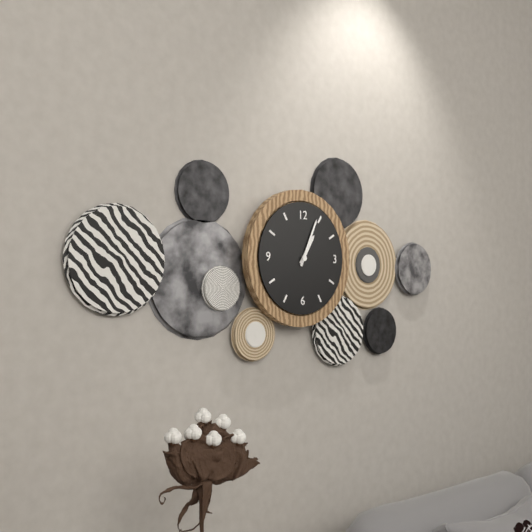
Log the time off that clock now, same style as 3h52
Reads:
1h04
